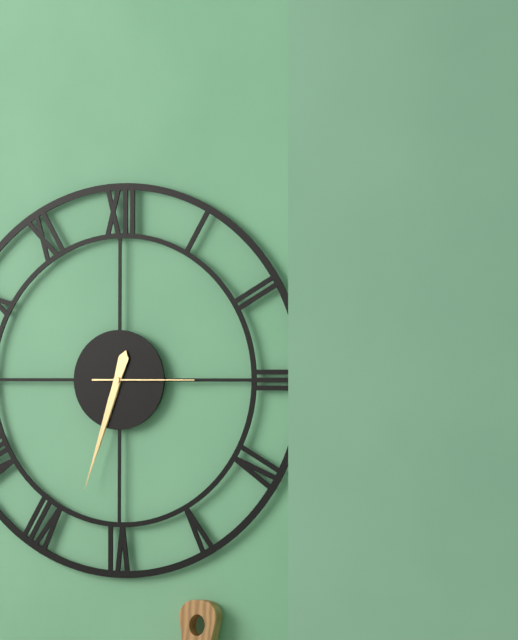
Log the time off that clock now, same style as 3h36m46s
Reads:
6h33m15s
